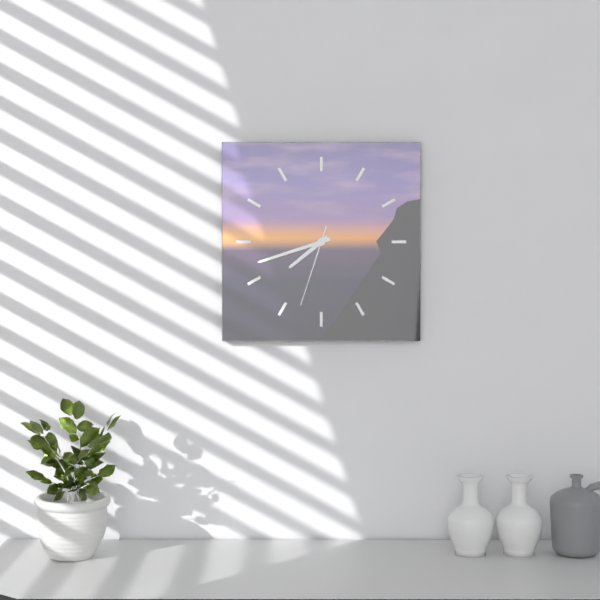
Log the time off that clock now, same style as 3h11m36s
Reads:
7h42m33s
